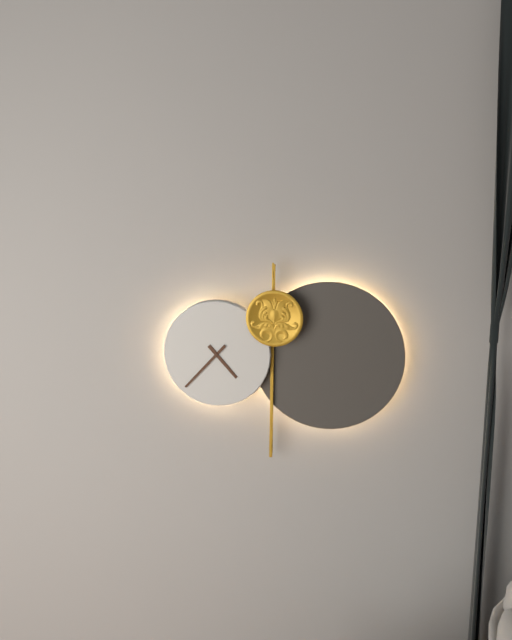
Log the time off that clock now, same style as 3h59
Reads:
4h37
